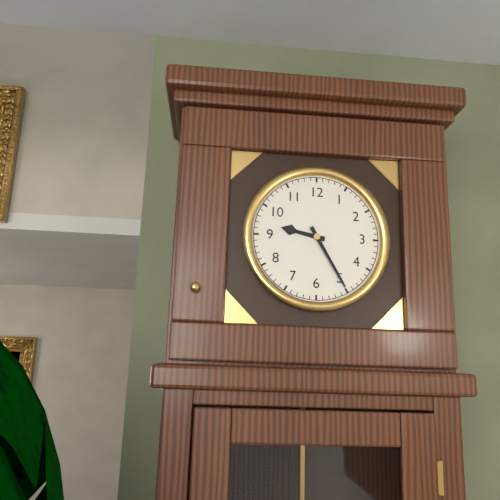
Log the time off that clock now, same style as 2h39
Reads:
9h25
